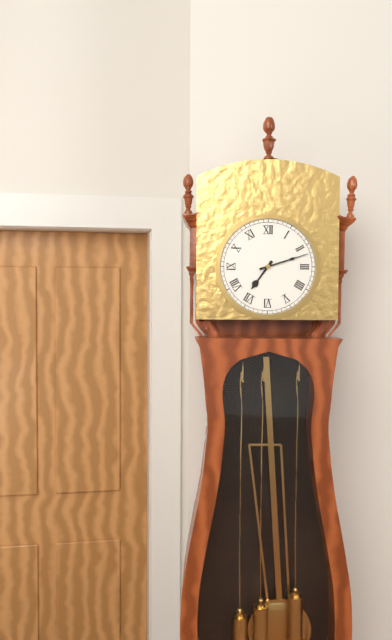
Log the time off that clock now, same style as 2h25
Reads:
7h12
